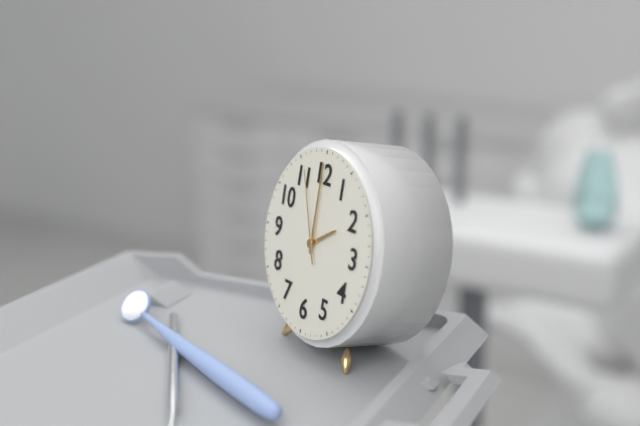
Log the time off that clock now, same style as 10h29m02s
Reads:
2h00m56s
